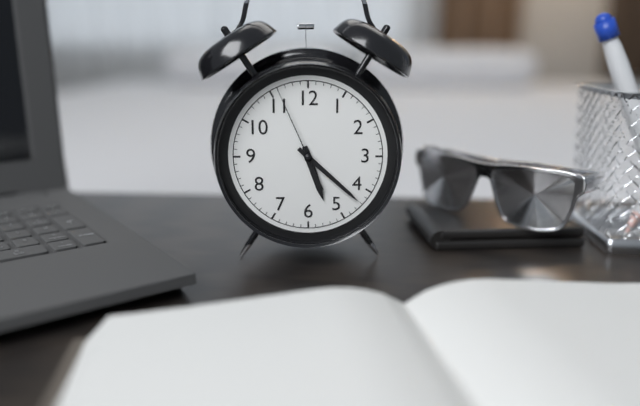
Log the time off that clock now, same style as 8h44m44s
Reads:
5h22m56s
